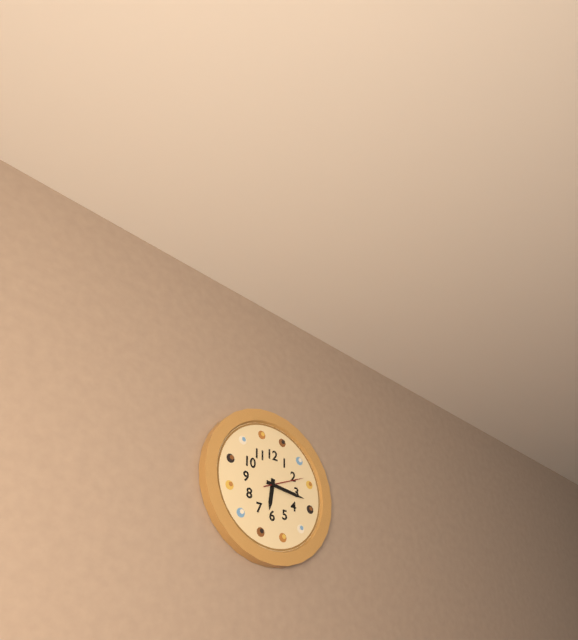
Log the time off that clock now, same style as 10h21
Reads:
6h16
